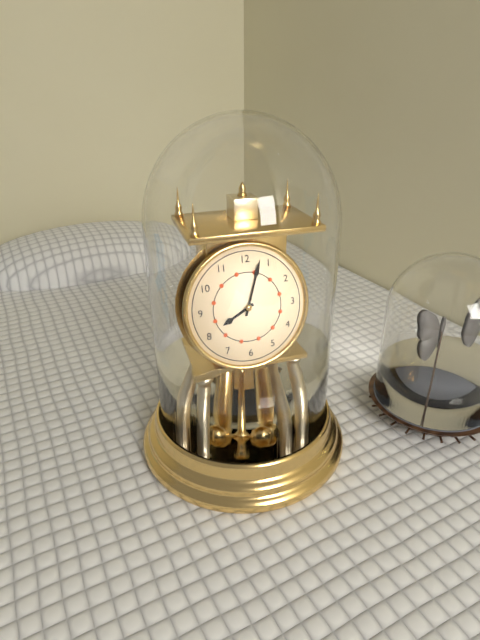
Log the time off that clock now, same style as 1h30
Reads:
8h03
